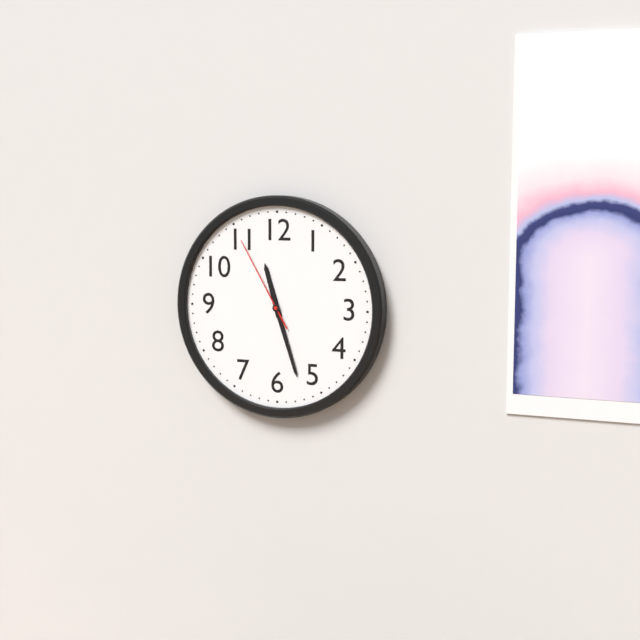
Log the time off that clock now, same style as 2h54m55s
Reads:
11h27m55s
